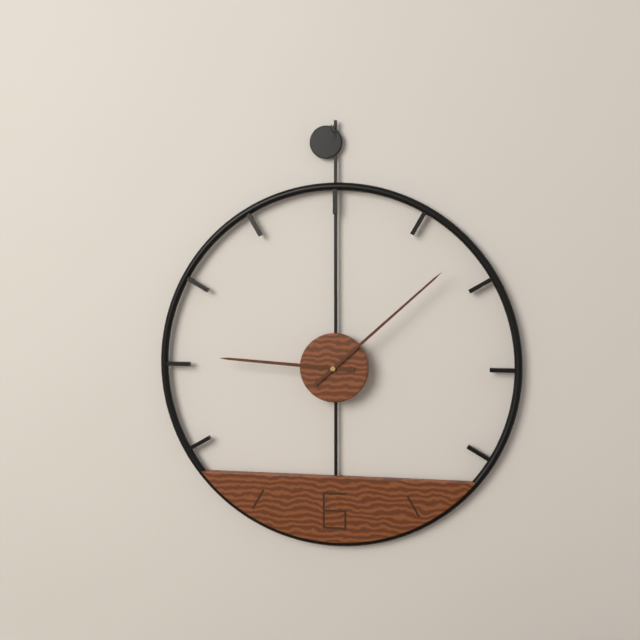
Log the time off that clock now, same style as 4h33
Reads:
9h08
